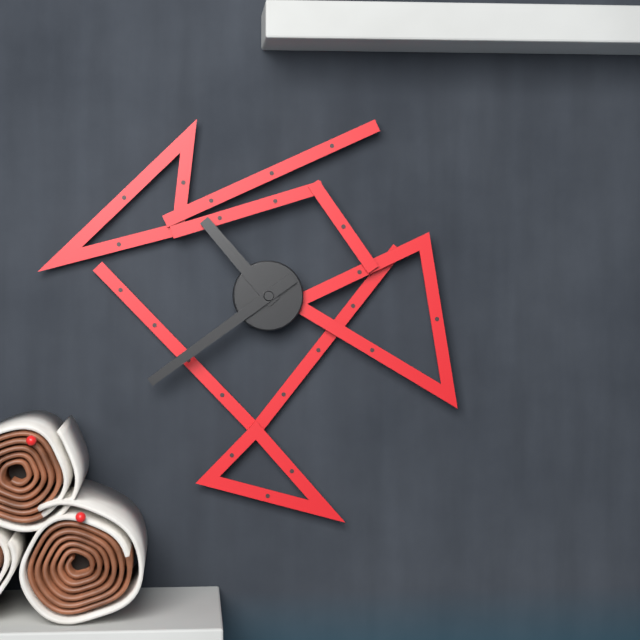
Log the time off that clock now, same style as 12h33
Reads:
10h39
